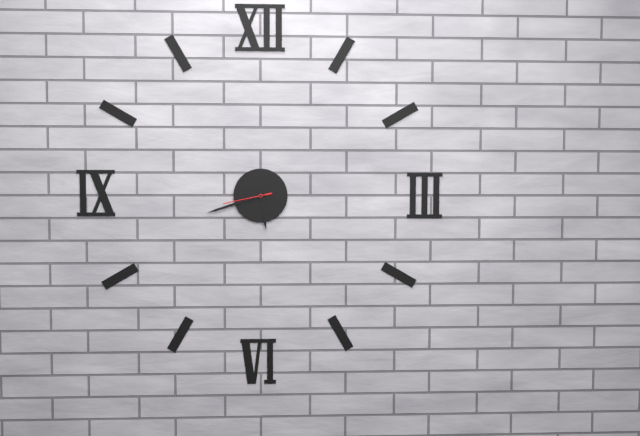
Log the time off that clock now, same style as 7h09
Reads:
5h42
